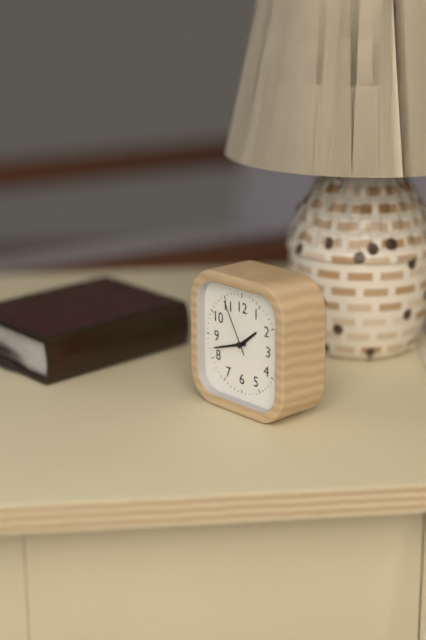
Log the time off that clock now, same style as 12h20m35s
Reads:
1h42m55s
